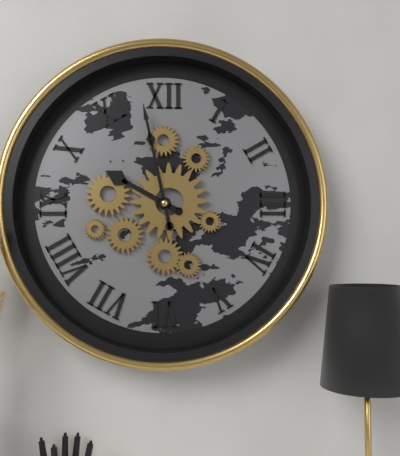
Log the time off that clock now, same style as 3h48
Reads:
9h58
